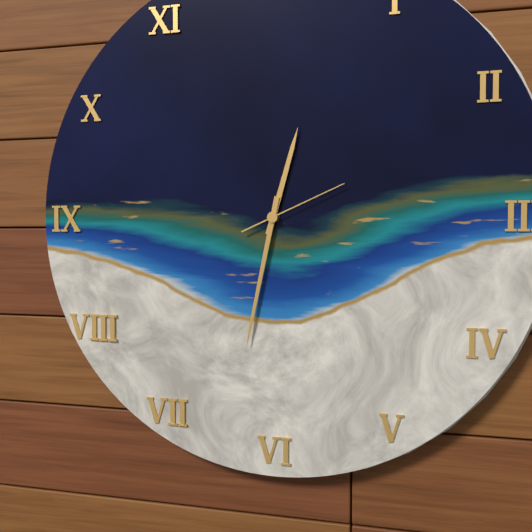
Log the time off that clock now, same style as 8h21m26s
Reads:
12h32m11s
